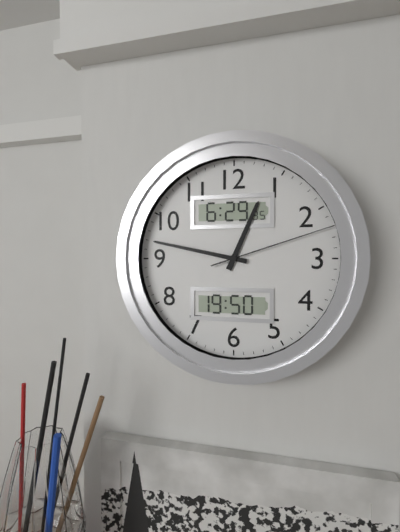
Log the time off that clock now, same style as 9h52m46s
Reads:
12h47m12s
